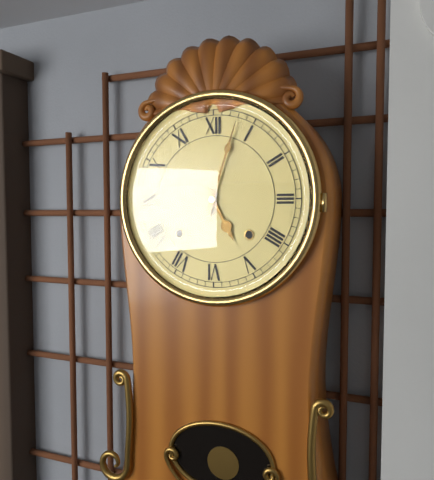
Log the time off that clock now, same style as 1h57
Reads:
5h03
